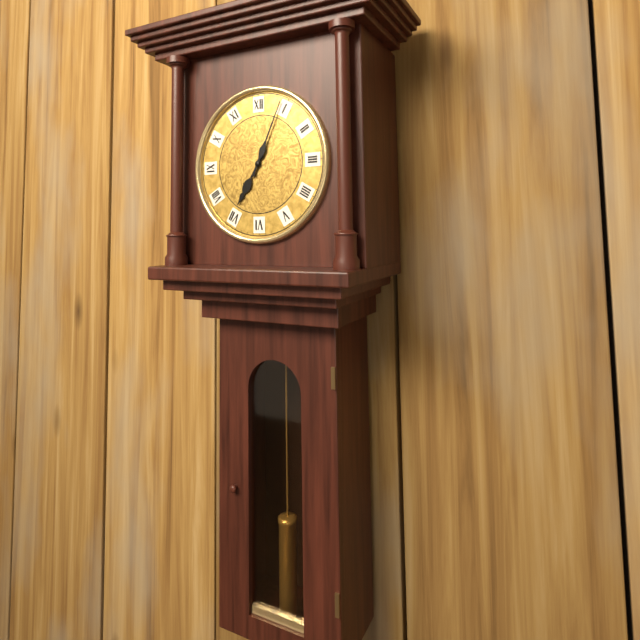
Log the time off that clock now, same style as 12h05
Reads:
7h04
